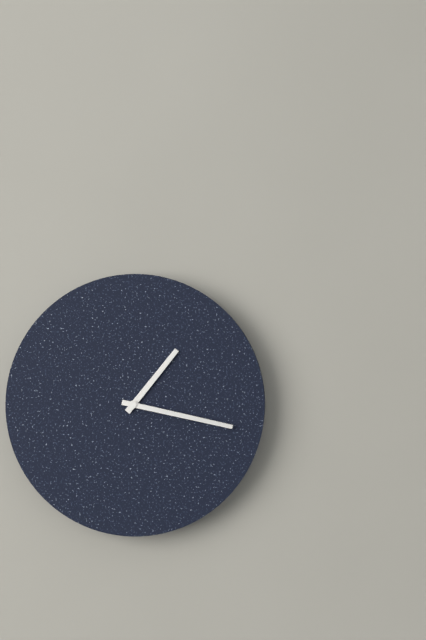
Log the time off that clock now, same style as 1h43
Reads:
1h17
